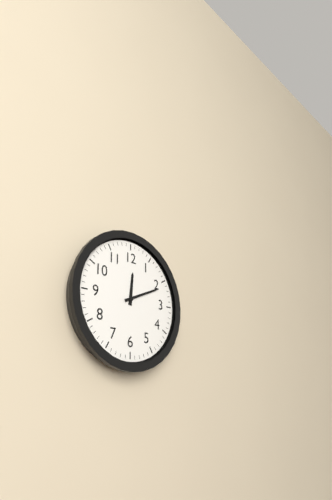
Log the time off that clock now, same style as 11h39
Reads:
12h11
